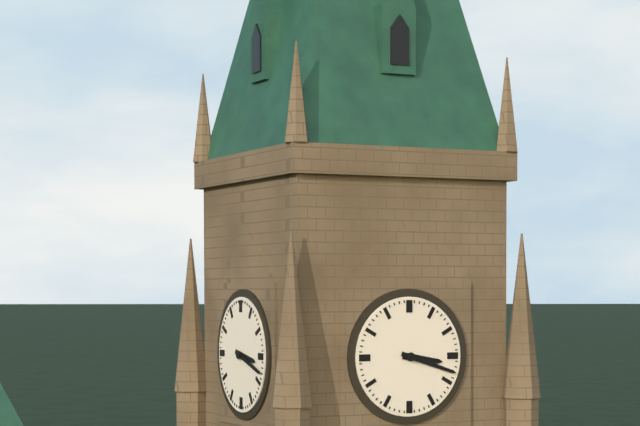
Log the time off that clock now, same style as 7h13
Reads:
3h18
